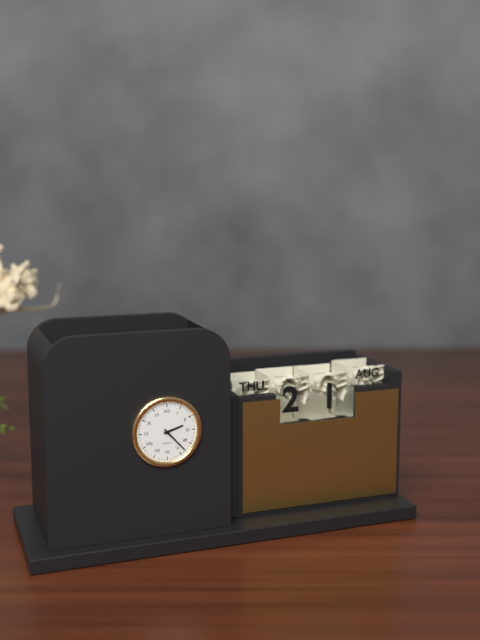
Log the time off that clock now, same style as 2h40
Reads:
2h23
